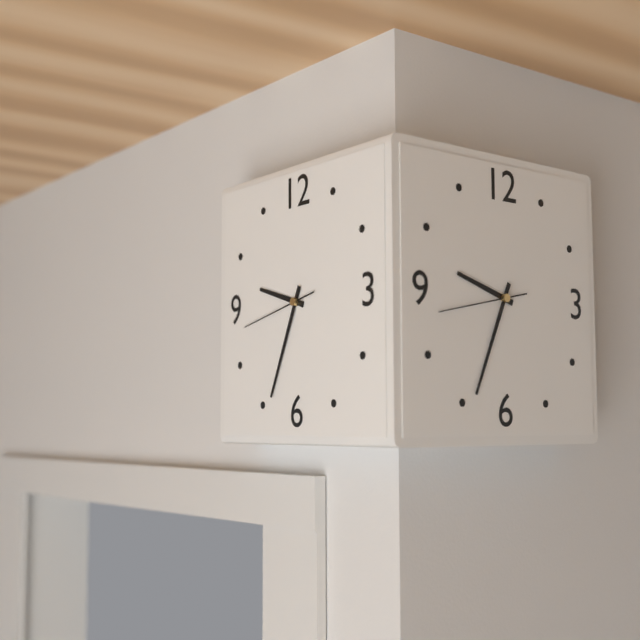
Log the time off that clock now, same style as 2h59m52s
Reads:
9h34m43s
